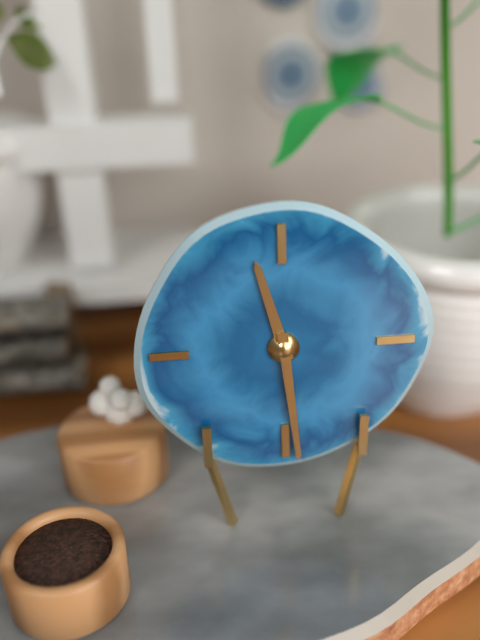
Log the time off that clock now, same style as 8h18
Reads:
11h29
